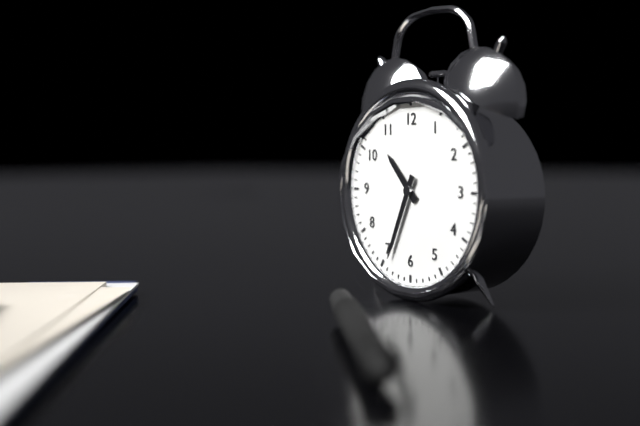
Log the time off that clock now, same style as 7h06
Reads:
10h34
